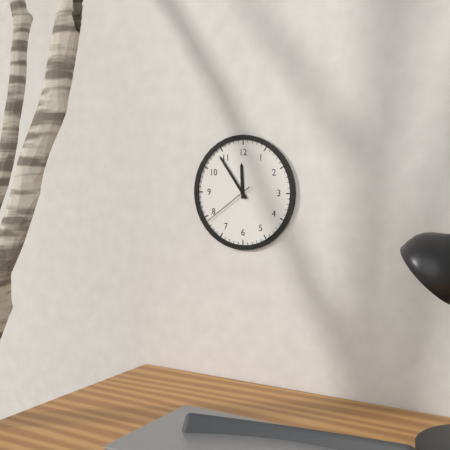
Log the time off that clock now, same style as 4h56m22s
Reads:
11h54m39s
